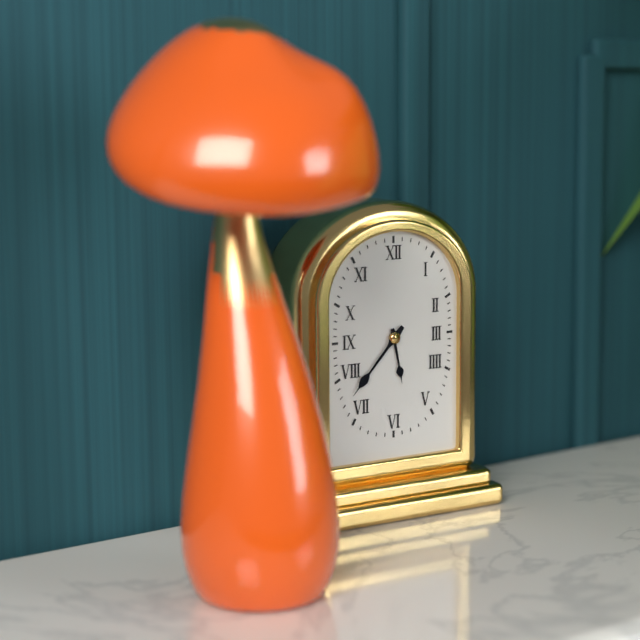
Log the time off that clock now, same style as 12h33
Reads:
5h37
